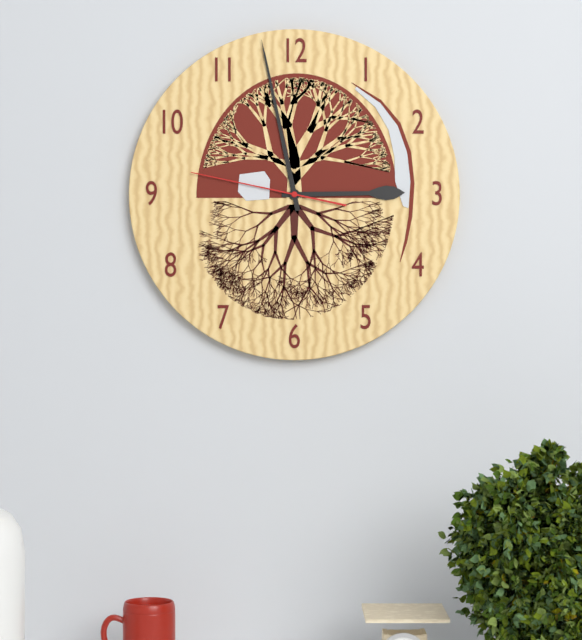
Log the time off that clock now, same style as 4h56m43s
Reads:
2h58m47s
